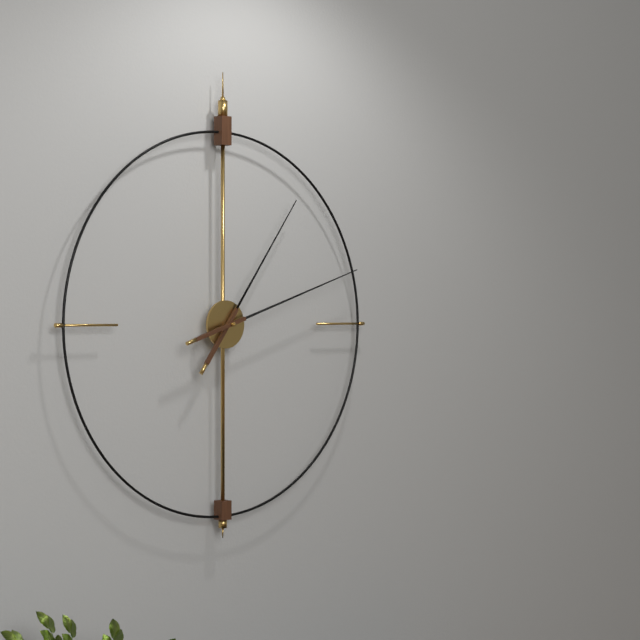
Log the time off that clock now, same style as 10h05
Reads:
1h12
